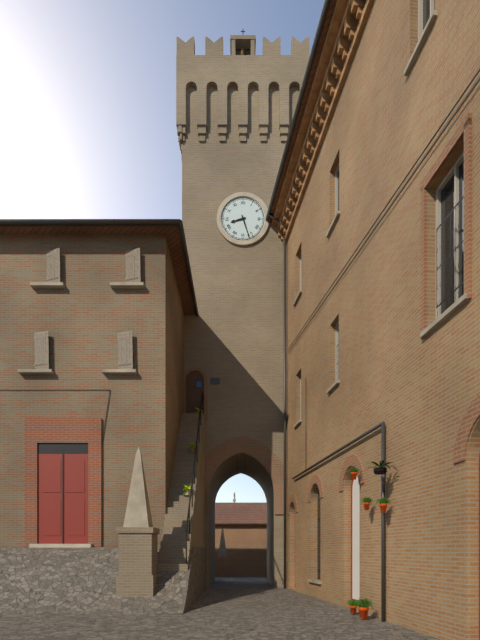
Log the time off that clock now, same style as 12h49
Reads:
8h27
